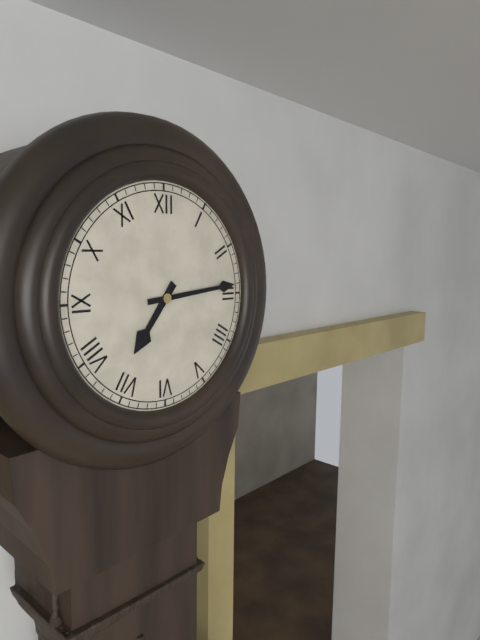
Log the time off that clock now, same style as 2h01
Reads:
7h14
